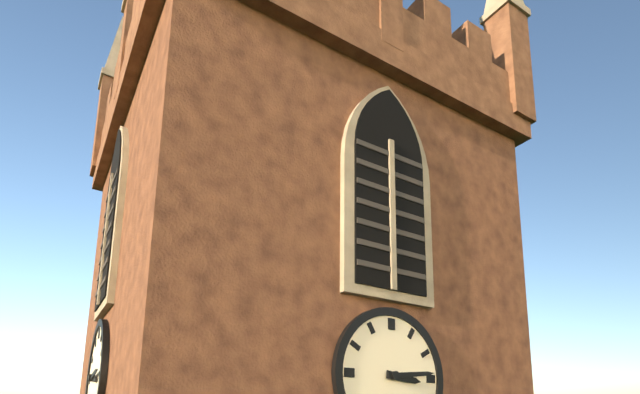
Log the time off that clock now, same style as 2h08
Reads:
3h14
